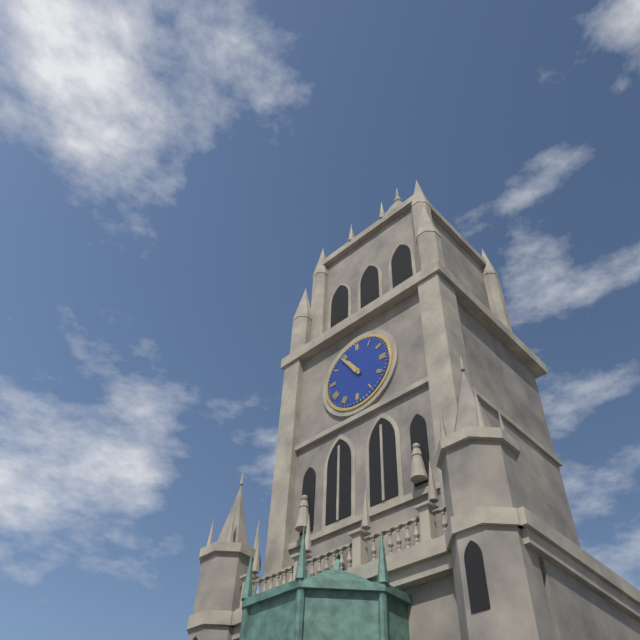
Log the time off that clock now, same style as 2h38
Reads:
10h54
